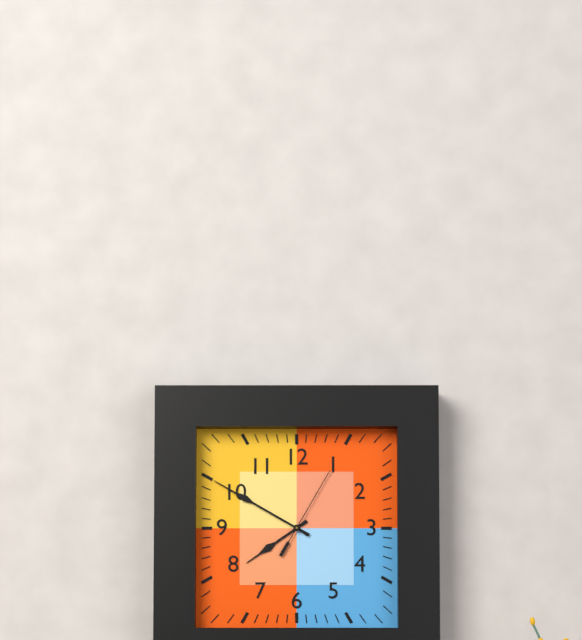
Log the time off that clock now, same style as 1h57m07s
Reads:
7h50m05s
